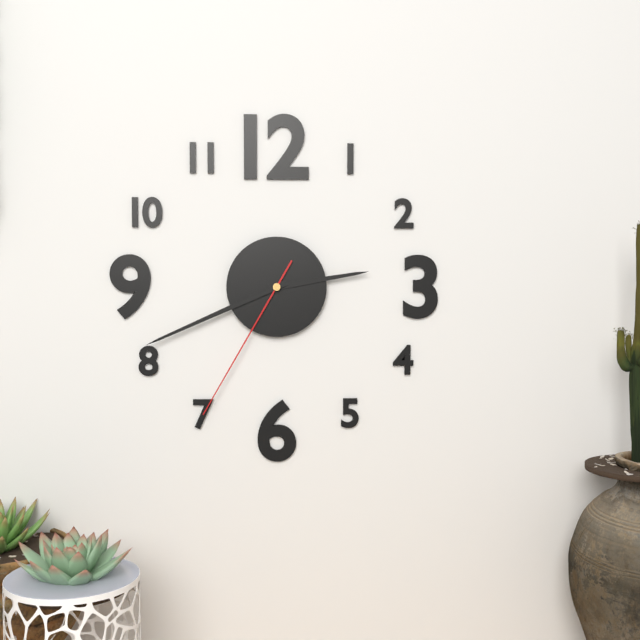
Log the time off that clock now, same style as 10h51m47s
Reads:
2h41m35s
